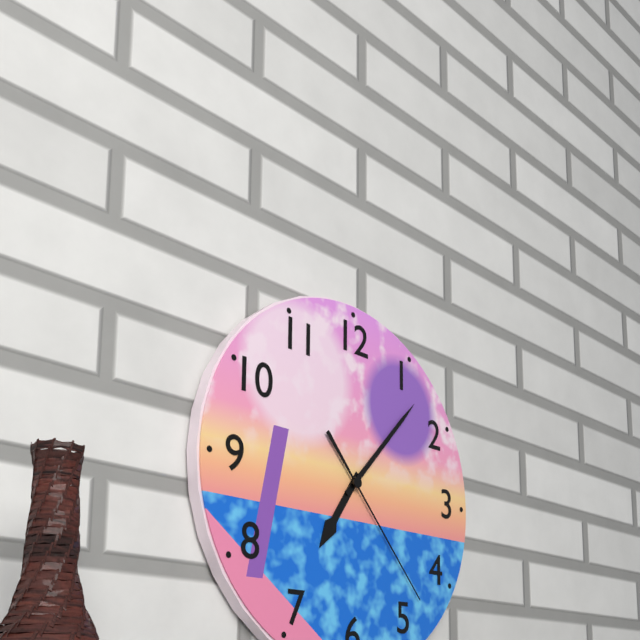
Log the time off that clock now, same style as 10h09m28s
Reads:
7h07m23s
